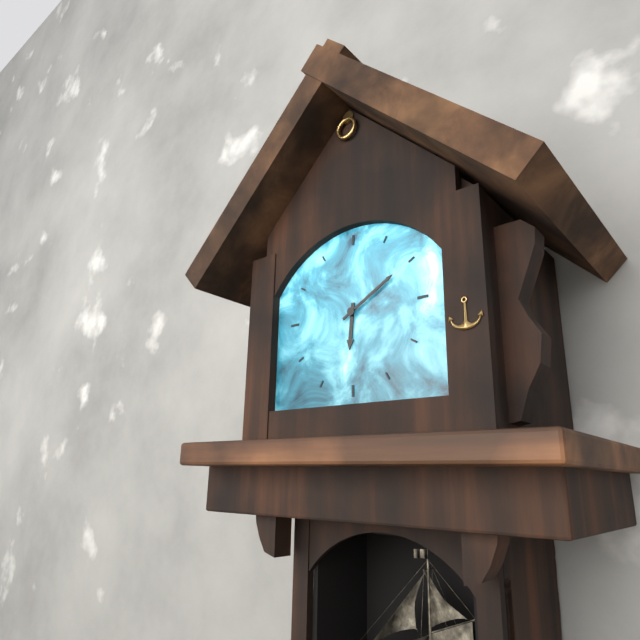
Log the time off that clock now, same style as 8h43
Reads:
6h10
